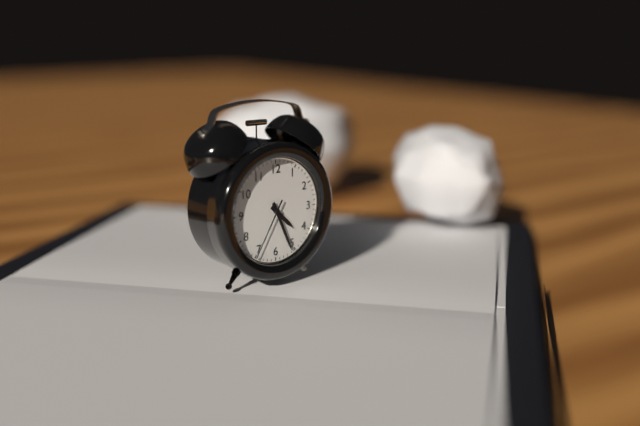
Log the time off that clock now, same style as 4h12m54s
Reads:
4h26m35s
